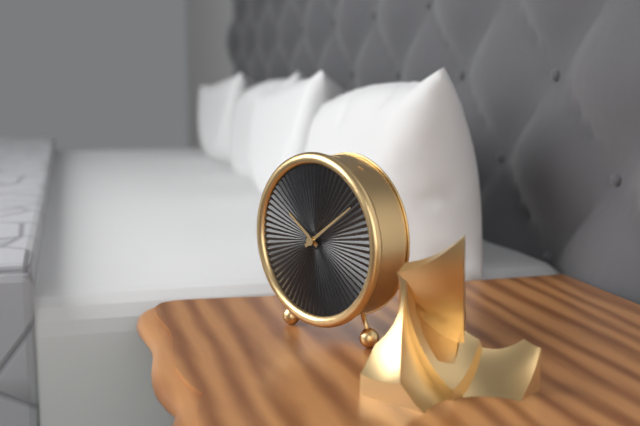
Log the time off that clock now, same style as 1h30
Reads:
10h09
